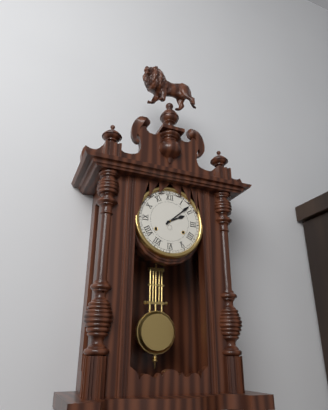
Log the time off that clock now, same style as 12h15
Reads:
2h08
